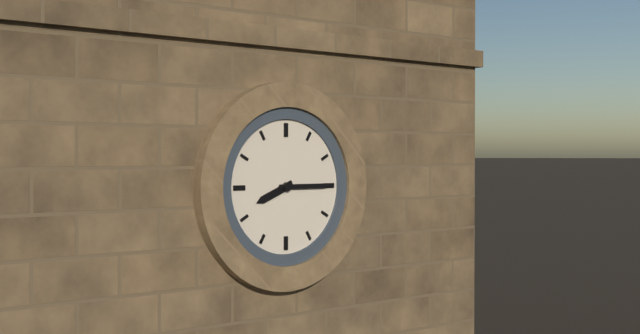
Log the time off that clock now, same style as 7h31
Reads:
8h15
